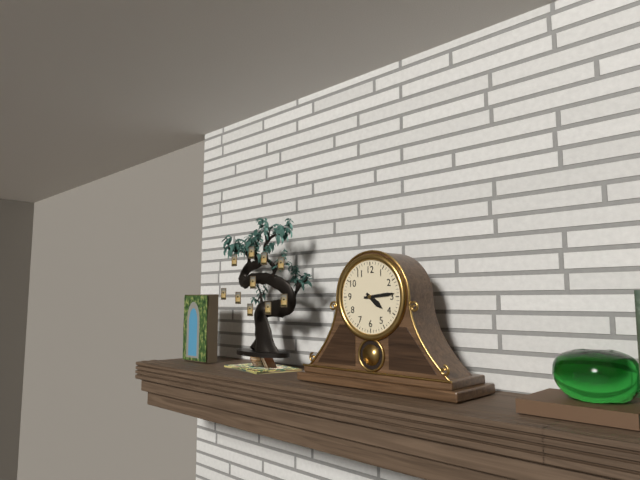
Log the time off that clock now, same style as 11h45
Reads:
4h14
